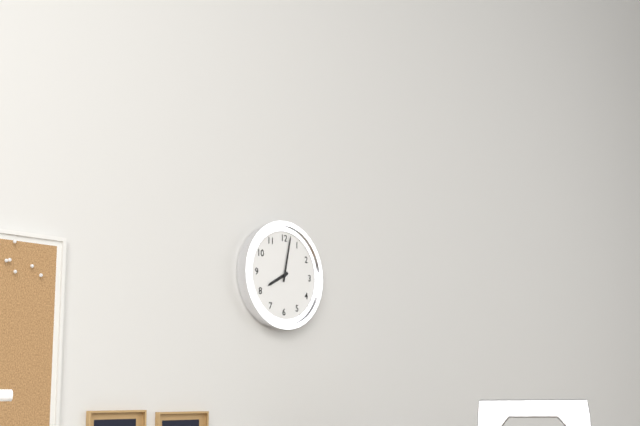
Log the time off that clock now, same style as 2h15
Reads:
8h02
